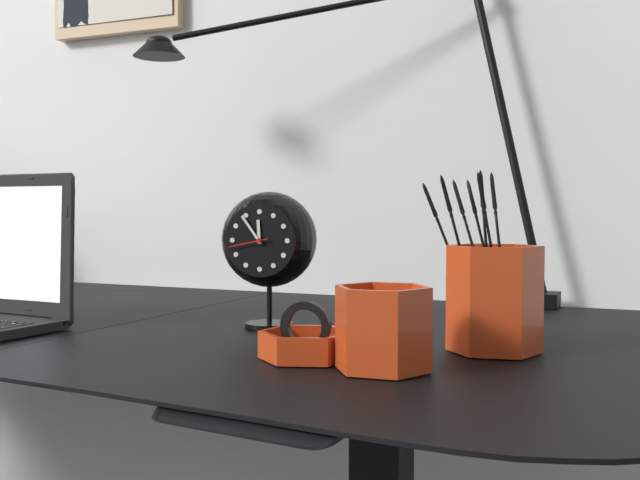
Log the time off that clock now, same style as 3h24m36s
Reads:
11h54m43s
